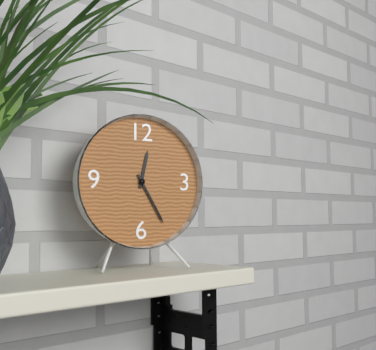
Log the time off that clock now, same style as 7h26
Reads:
12h25
